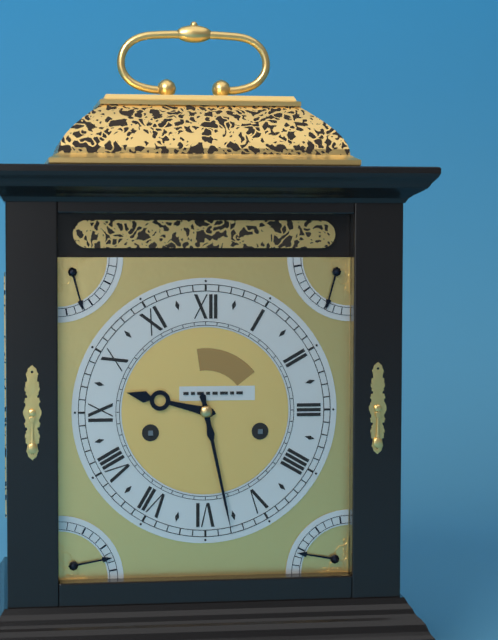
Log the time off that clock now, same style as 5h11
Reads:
9h28
